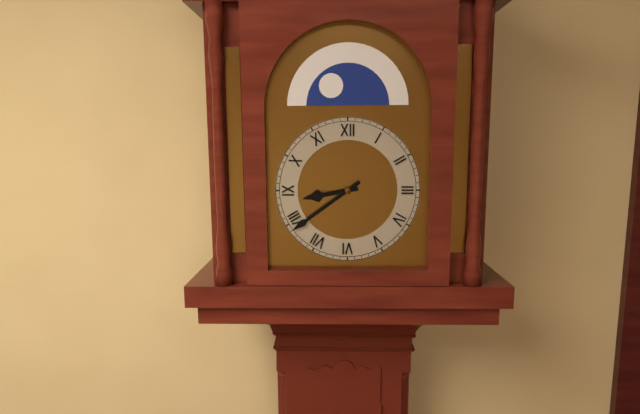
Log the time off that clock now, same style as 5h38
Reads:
8h39
